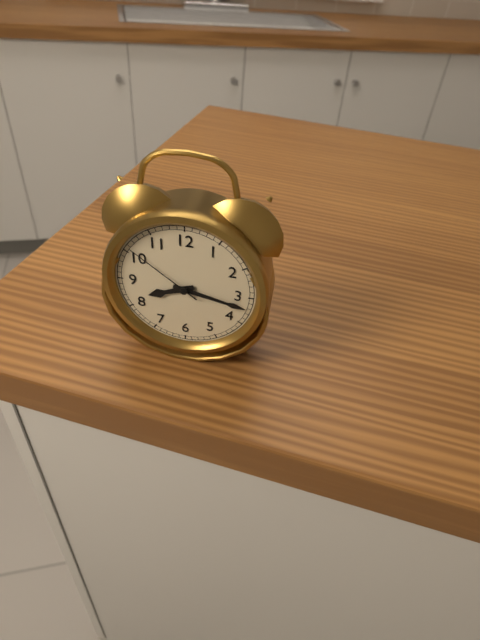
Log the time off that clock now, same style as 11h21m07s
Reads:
8h17m51s
